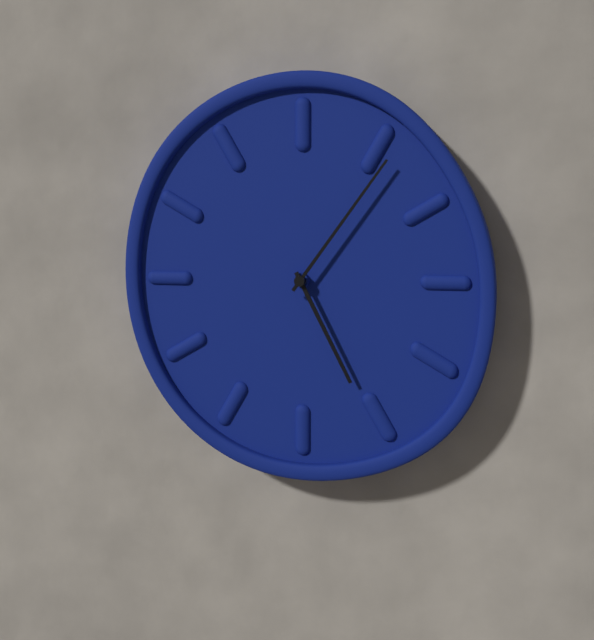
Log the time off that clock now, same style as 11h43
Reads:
5h06
